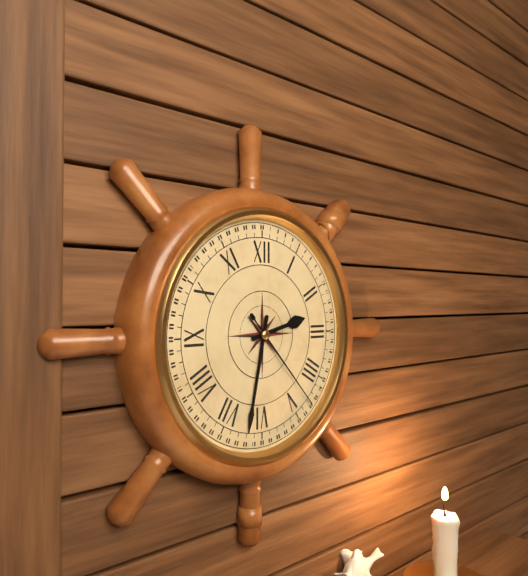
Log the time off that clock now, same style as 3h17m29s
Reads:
2h32m23s
